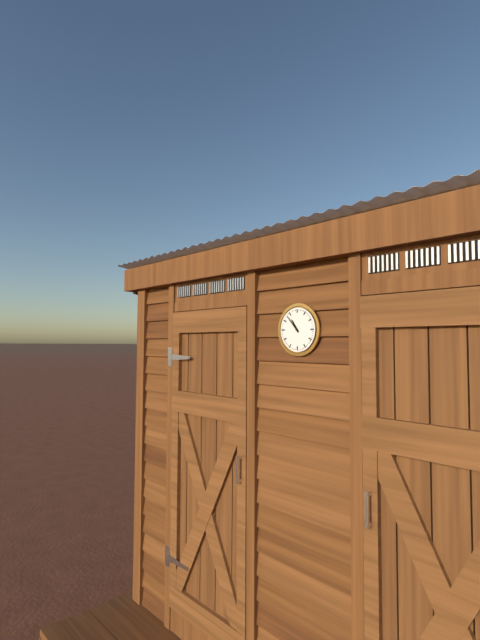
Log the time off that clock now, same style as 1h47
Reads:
10h53
